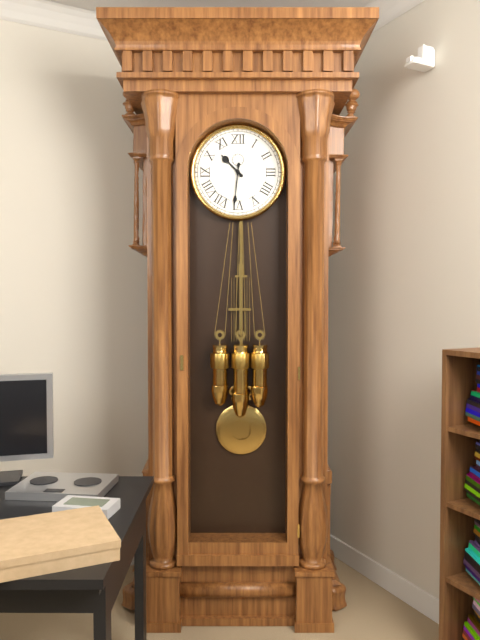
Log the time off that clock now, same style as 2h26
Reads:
10h31
